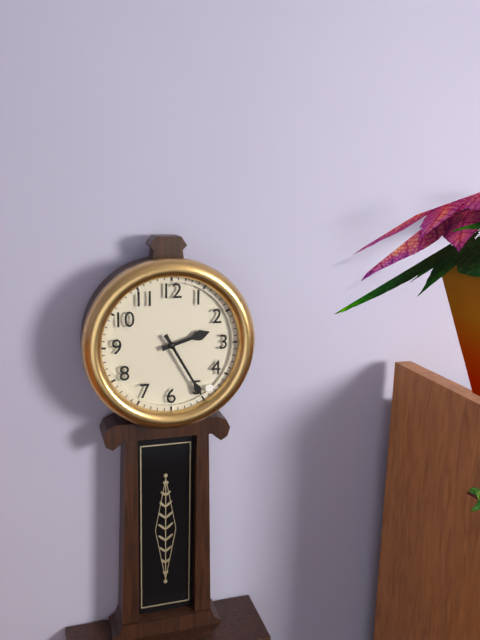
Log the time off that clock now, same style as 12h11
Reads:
2h25
